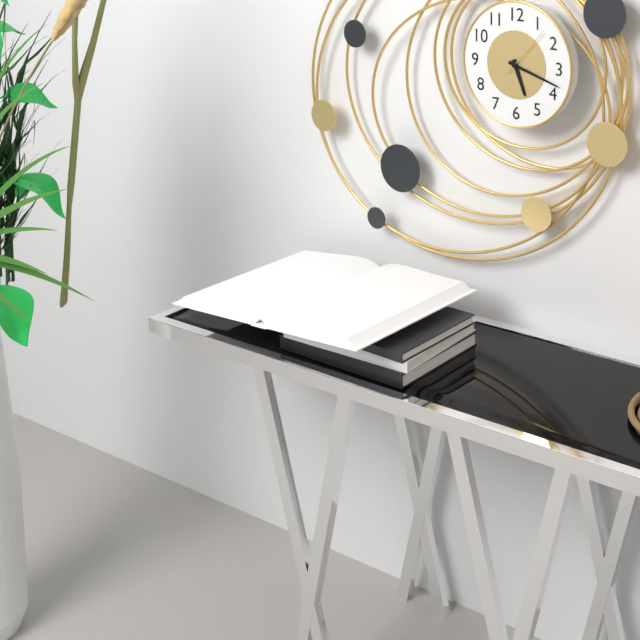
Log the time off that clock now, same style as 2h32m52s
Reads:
5h18m07s
